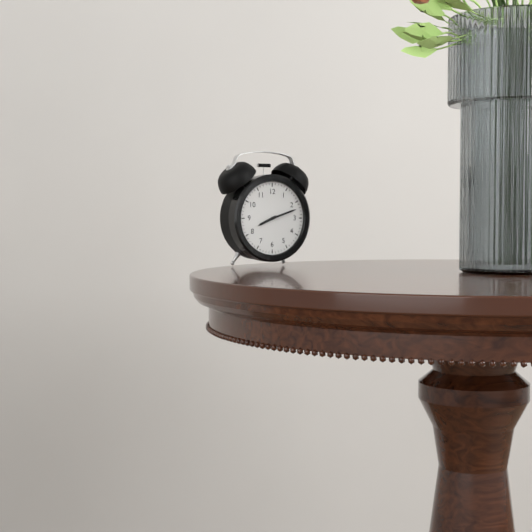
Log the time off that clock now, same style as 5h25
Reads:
8h12
